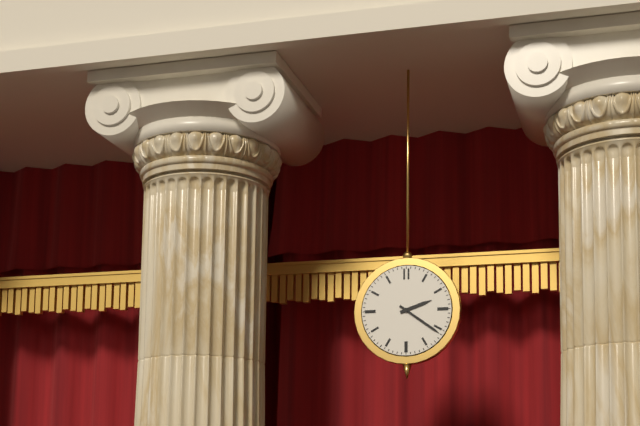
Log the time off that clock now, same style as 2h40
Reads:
2h21
